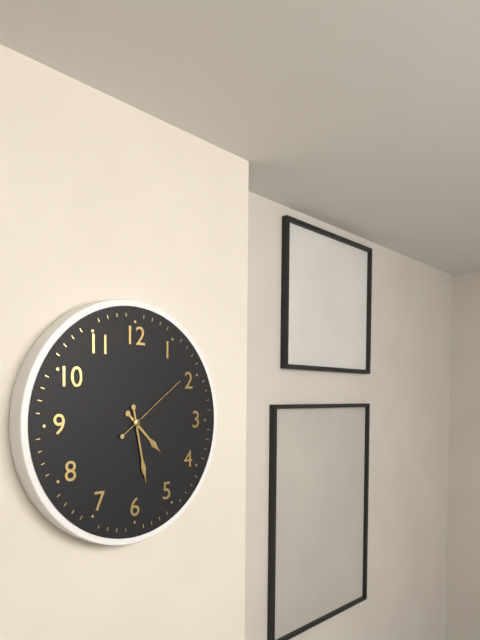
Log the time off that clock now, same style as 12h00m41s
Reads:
4h28m09s
